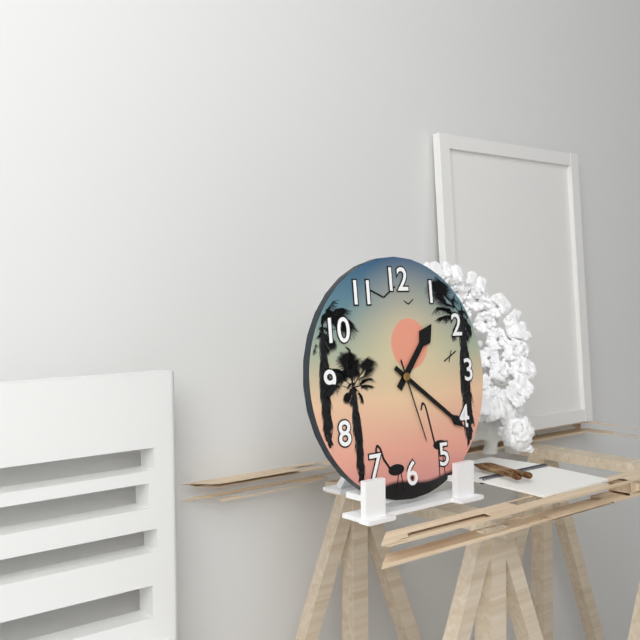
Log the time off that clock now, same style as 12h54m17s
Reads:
1h21m27s
